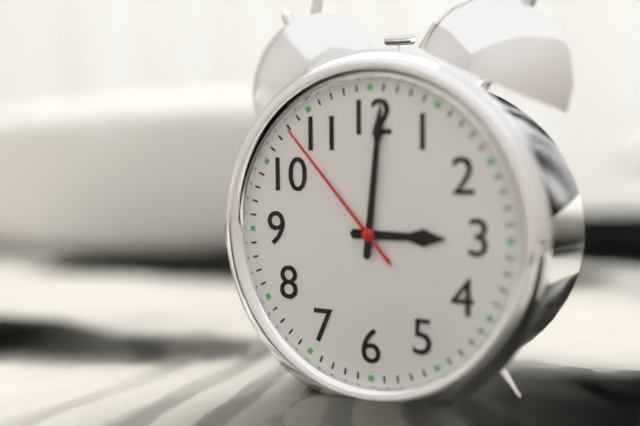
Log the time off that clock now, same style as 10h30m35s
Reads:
3h01m53s
